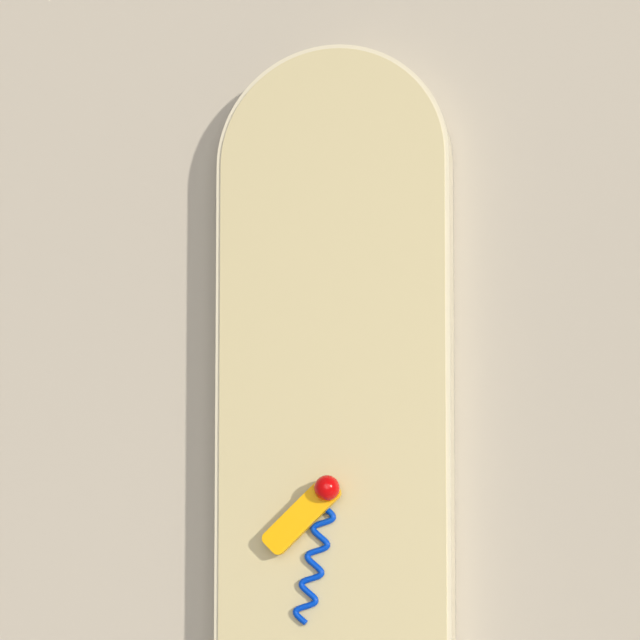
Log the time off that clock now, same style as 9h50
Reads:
7h32
